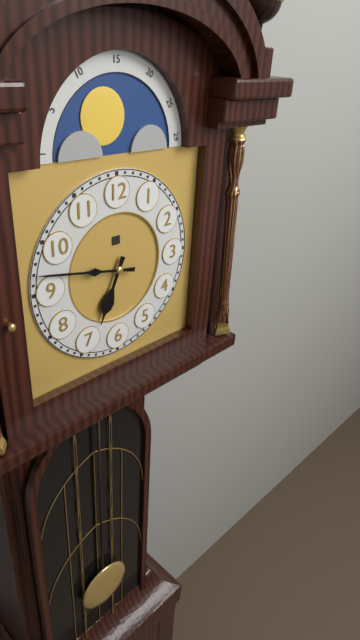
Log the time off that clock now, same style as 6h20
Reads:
6h47
